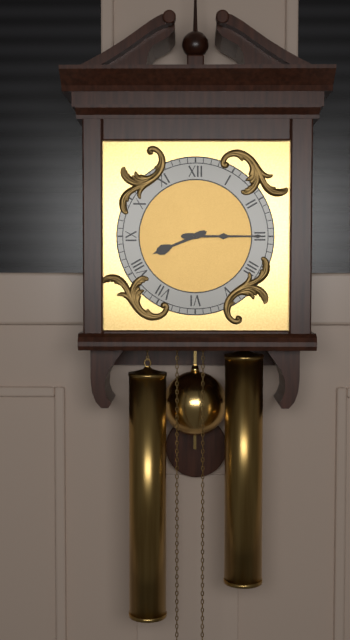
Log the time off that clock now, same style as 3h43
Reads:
8h15
